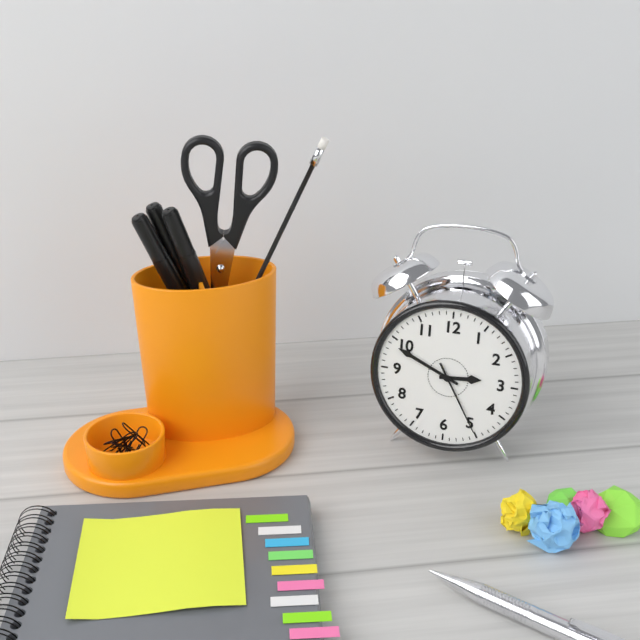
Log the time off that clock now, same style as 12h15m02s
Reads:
2h49m25s
